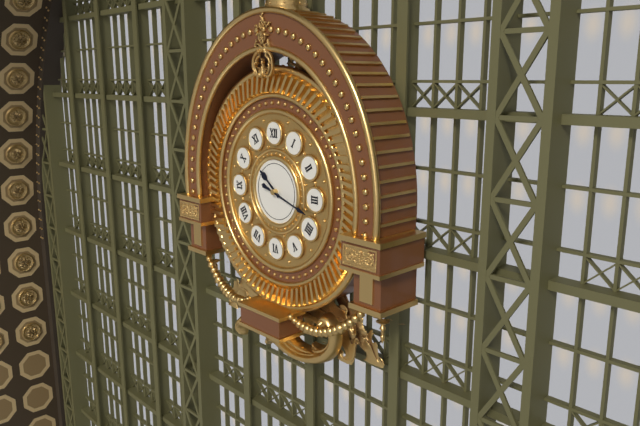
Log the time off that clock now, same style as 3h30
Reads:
10h18
